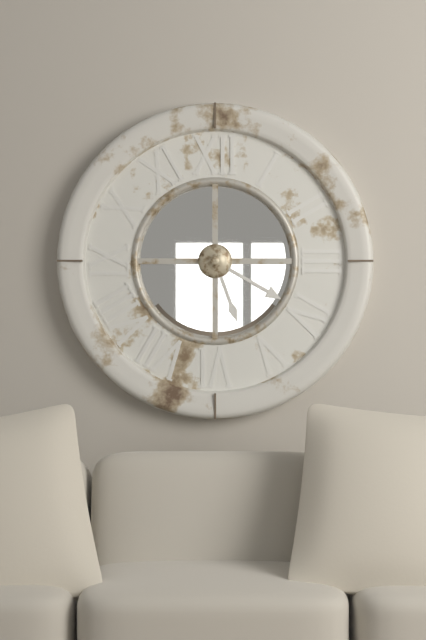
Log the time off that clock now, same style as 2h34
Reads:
5h20
